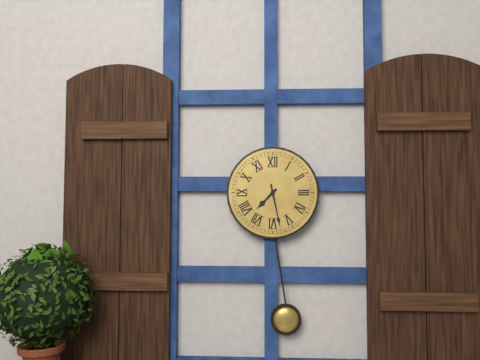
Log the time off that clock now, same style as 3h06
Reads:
7h28
